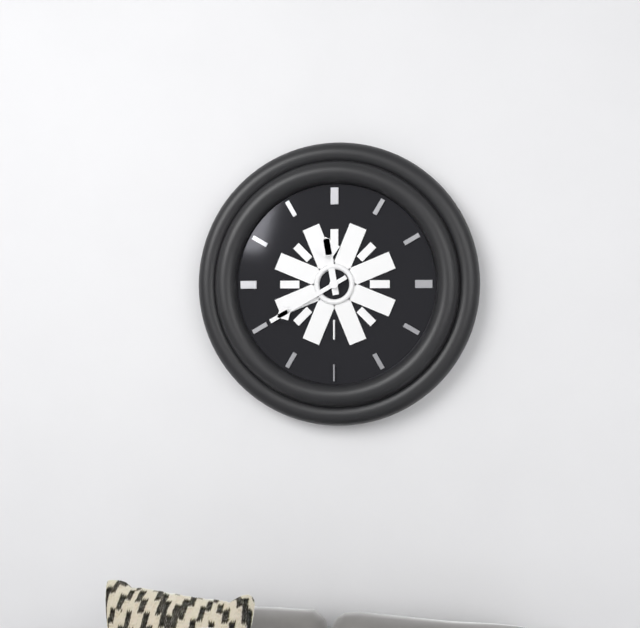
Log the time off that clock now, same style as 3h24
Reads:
11h40
